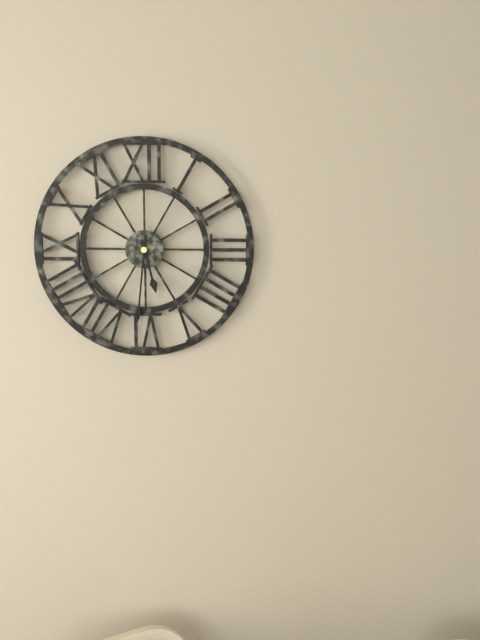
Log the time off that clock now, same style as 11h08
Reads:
5h31
